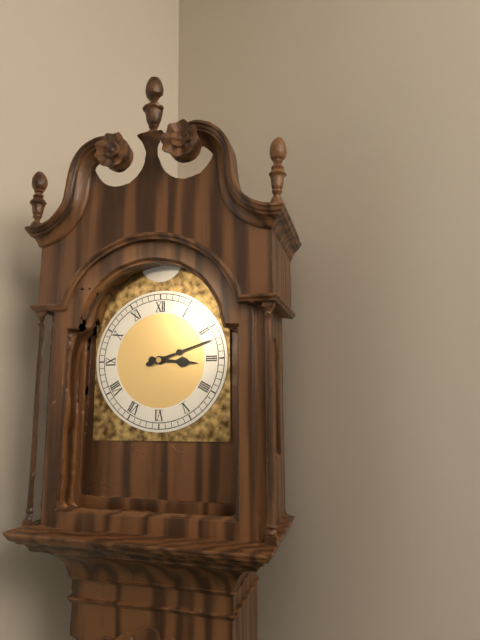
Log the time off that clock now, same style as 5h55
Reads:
3h12
